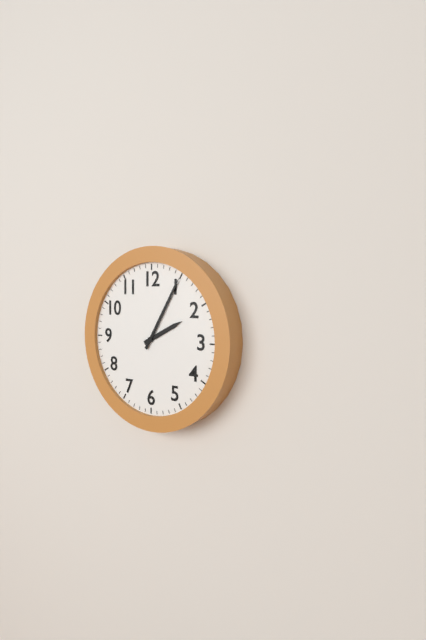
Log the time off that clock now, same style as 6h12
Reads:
2h05
